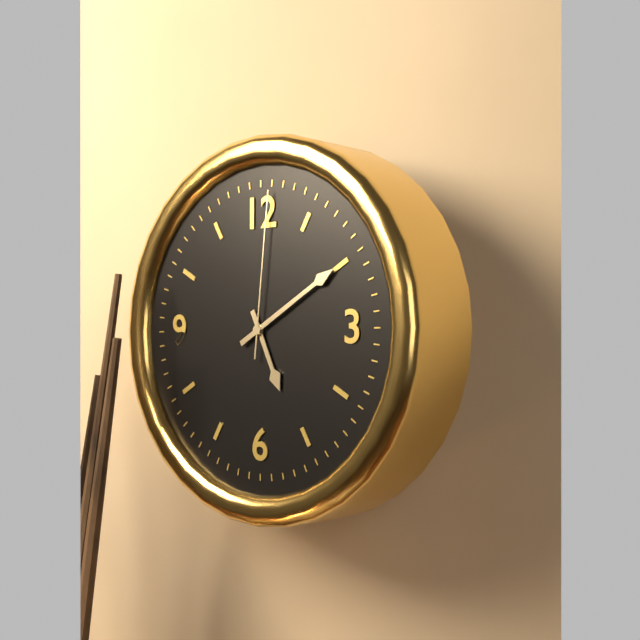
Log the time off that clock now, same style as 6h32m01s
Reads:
5h10m01s
